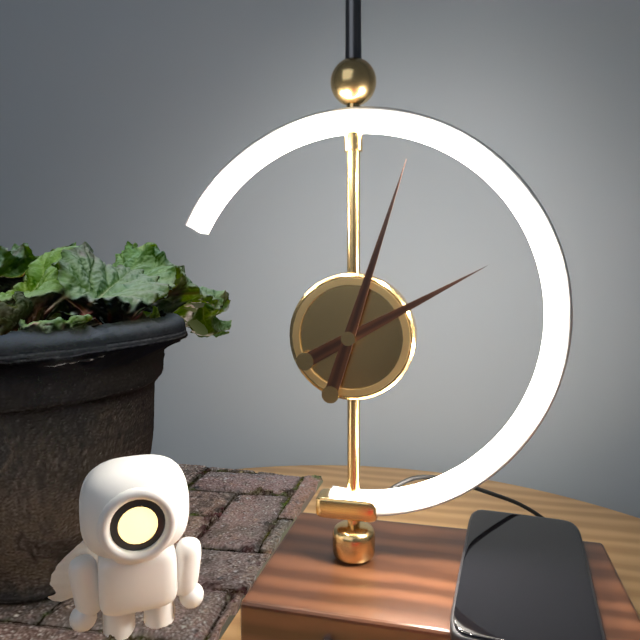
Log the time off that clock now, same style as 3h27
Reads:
2h03
